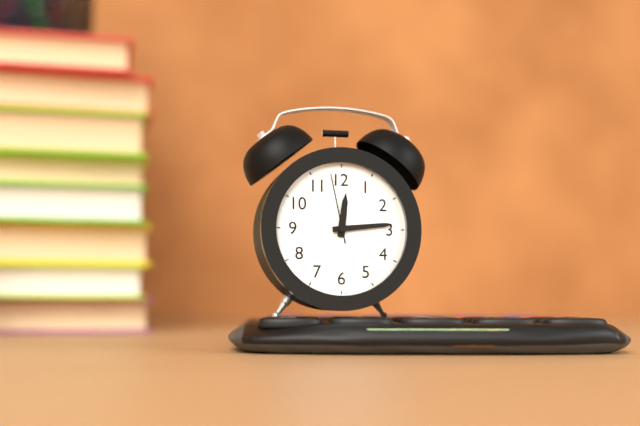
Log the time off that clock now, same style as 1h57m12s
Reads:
12h14m58s
